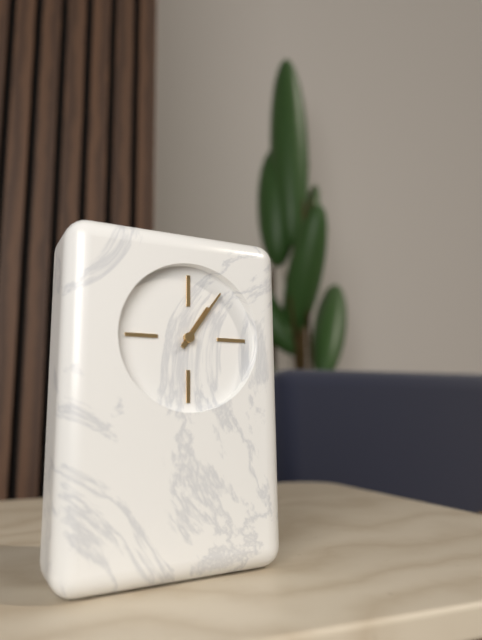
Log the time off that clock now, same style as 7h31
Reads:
1h06
